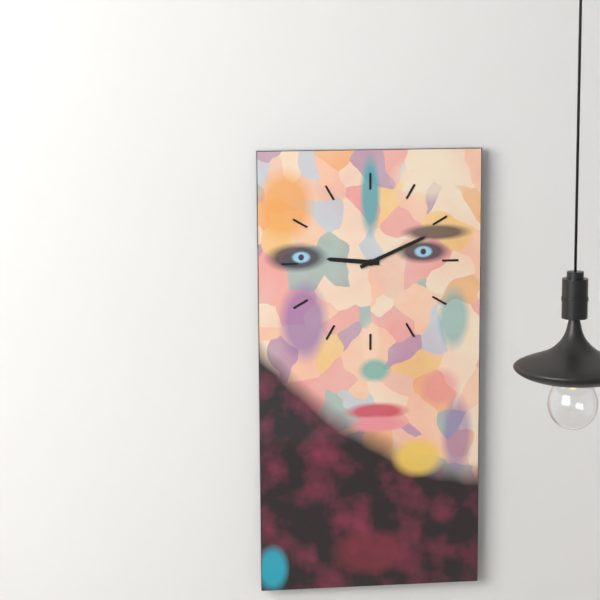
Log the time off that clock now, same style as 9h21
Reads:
9h11
